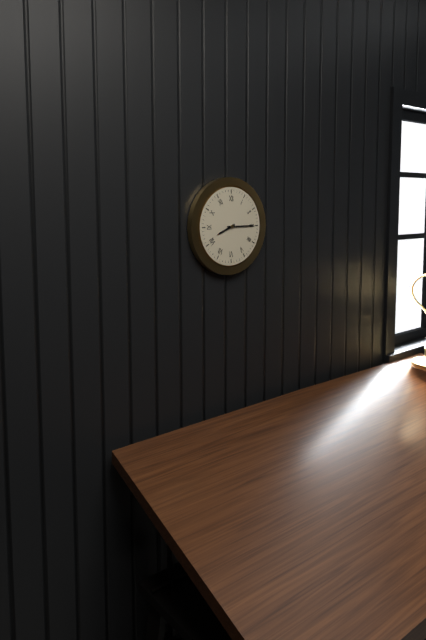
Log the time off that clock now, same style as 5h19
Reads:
8h15
